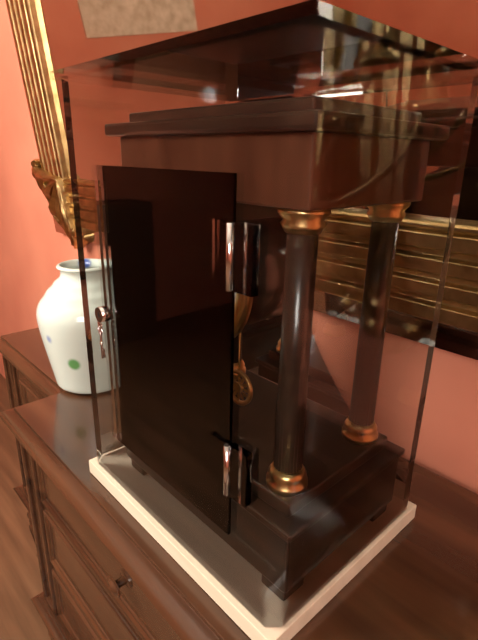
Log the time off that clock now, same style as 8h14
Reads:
5h11
